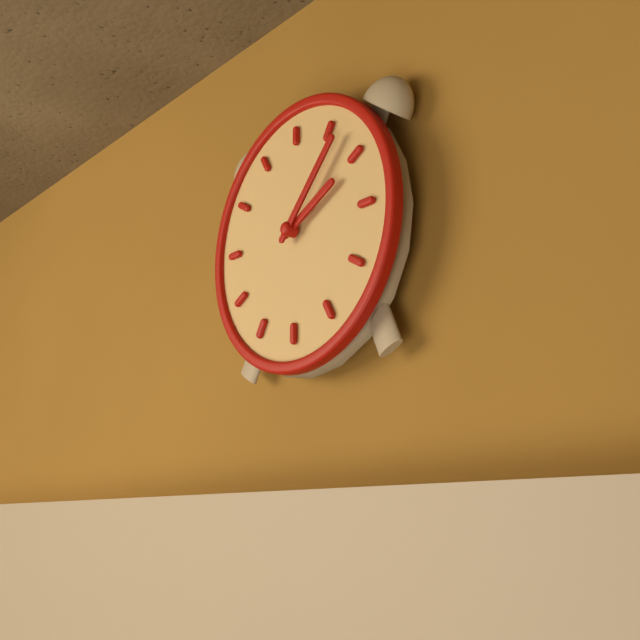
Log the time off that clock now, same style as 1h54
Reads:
2h07
